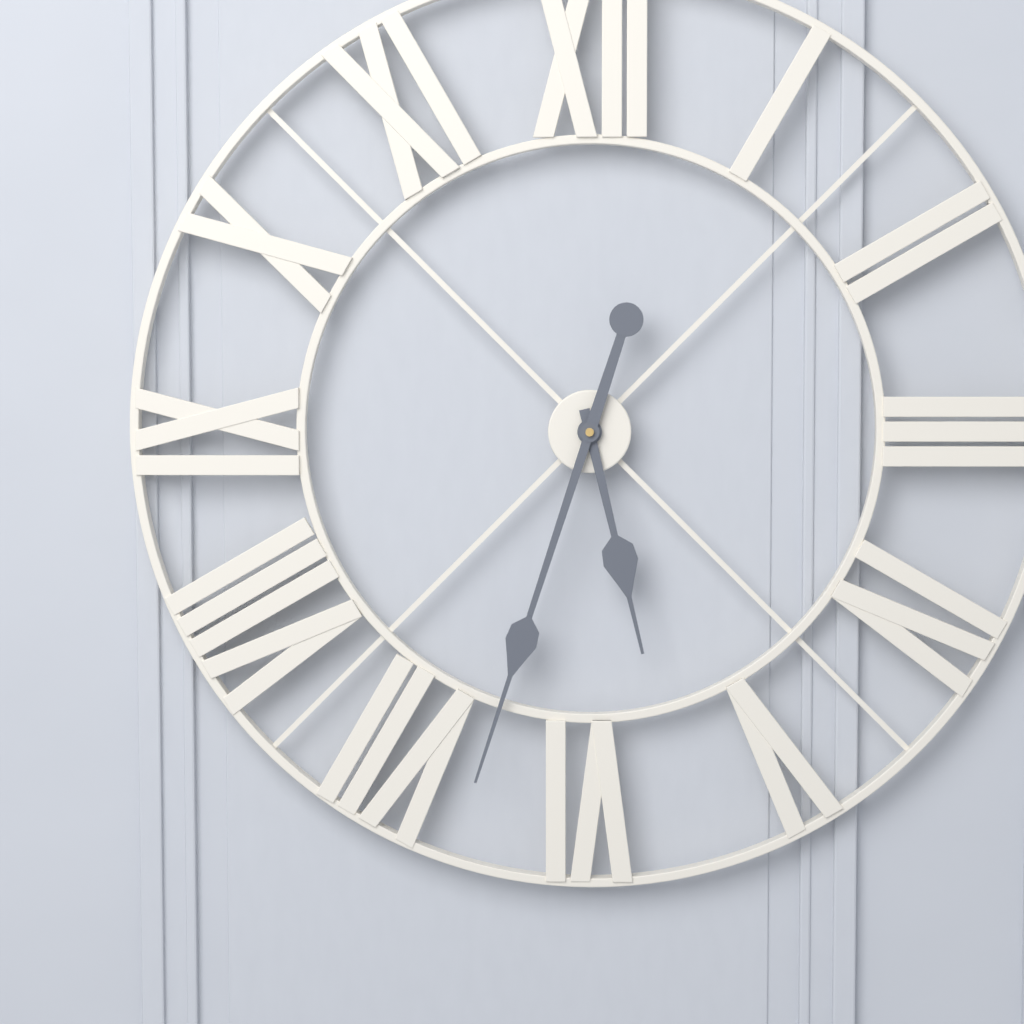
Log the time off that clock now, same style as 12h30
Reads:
5h33
